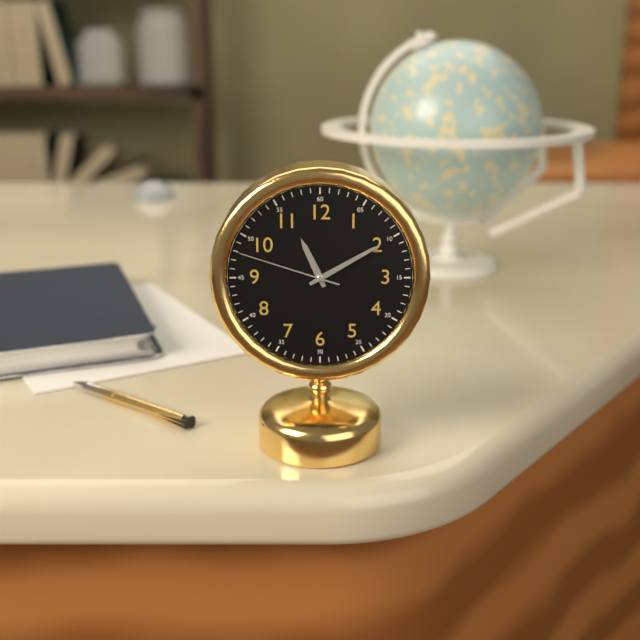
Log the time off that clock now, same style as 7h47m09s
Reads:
11h10m48s
